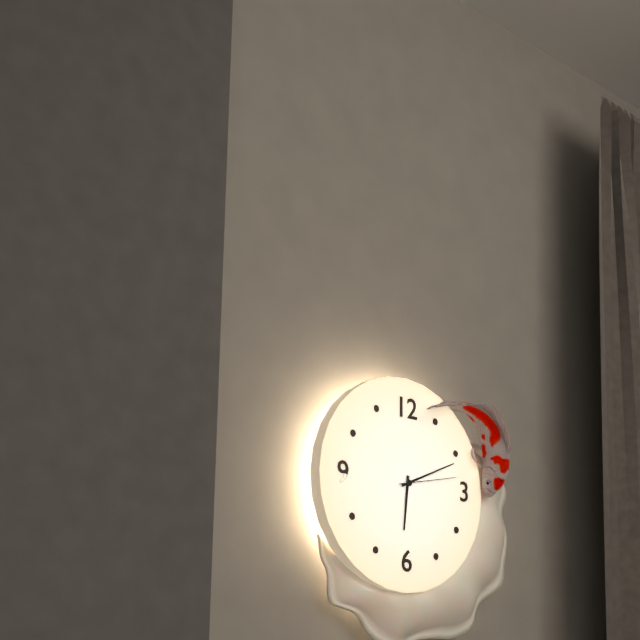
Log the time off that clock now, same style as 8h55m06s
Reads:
6h11m13s
